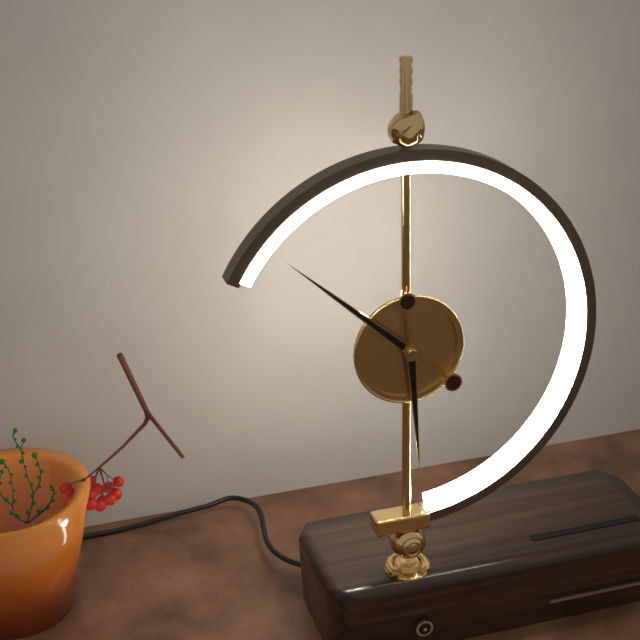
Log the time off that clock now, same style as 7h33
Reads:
5h52
